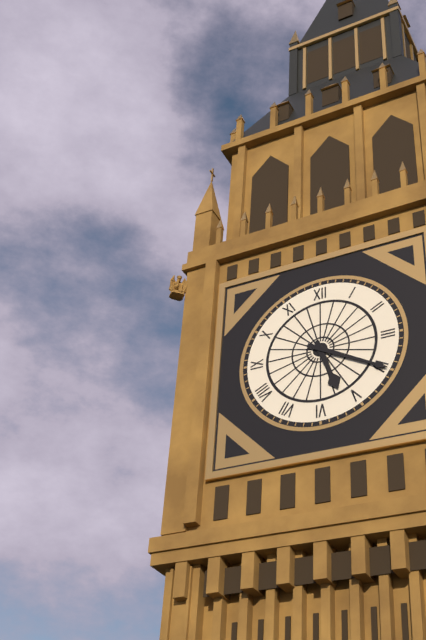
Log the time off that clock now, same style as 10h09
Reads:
5h20
